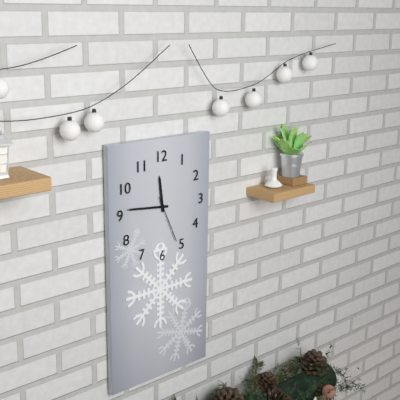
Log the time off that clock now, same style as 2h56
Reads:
11h46
